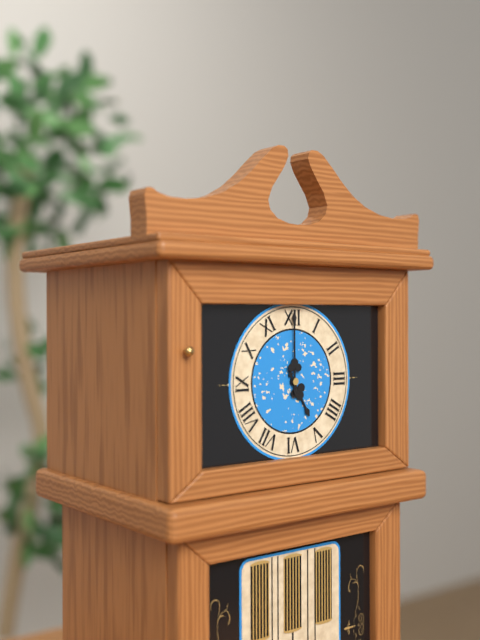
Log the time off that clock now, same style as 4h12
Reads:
5h00
